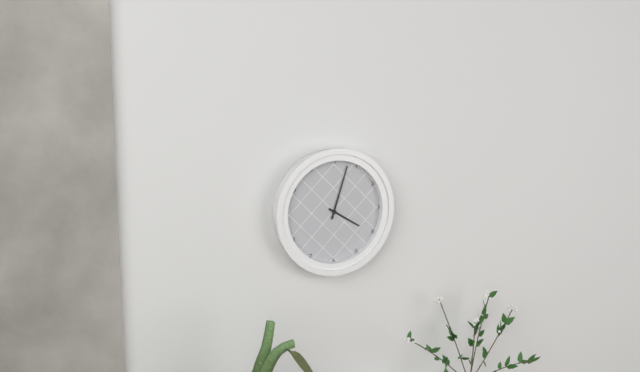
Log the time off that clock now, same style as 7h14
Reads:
4h03
